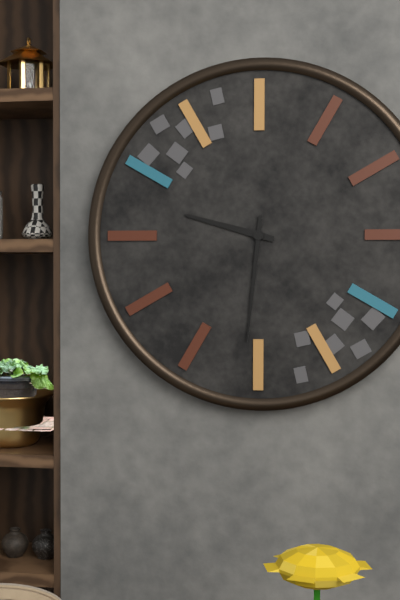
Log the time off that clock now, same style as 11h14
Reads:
9h31
